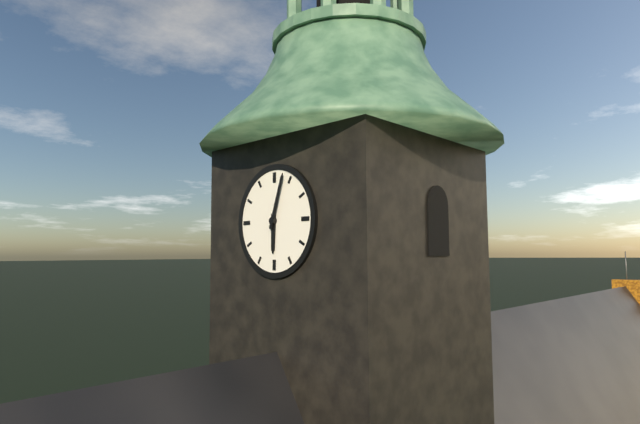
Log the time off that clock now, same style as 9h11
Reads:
6h03
